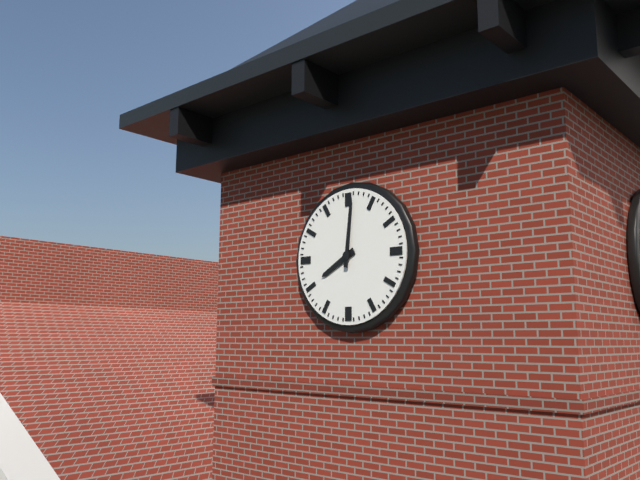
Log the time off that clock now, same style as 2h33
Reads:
8h01
